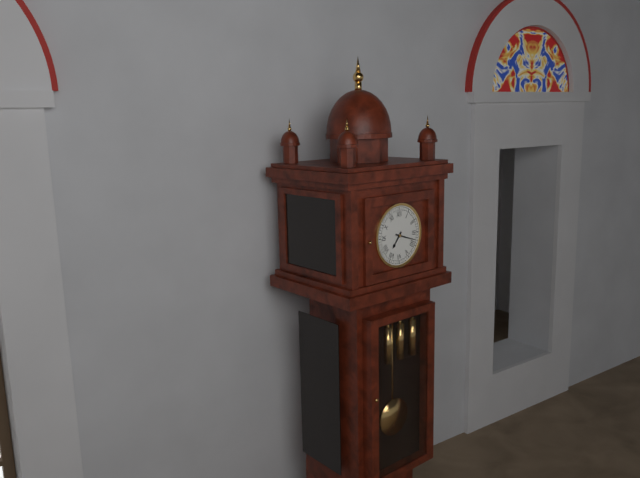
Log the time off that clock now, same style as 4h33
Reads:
7h18
